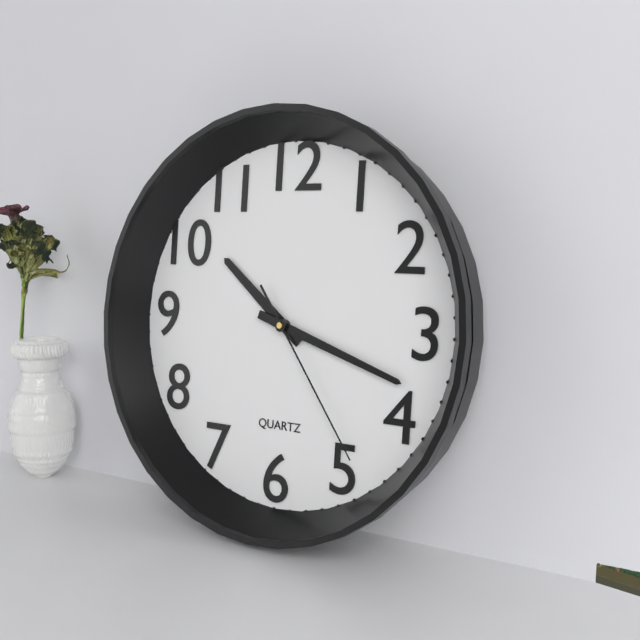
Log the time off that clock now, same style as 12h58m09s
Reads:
10h18m24s
